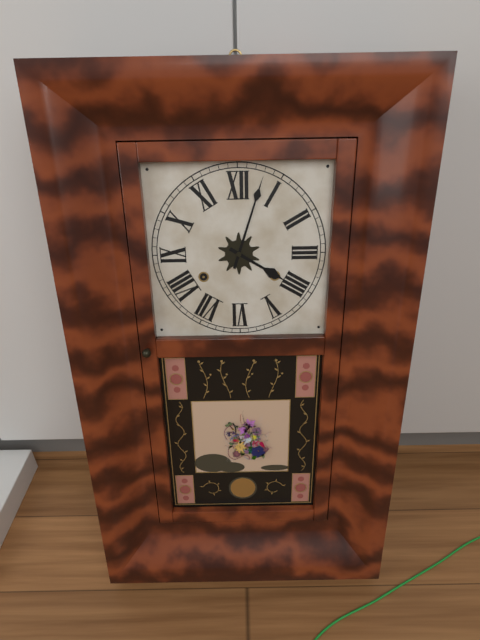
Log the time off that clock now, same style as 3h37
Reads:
4h03
